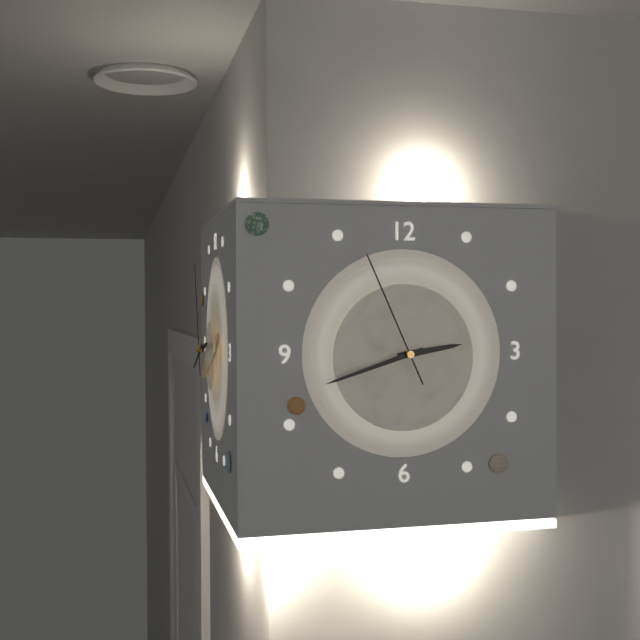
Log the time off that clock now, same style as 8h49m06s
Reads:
2h42m56s
